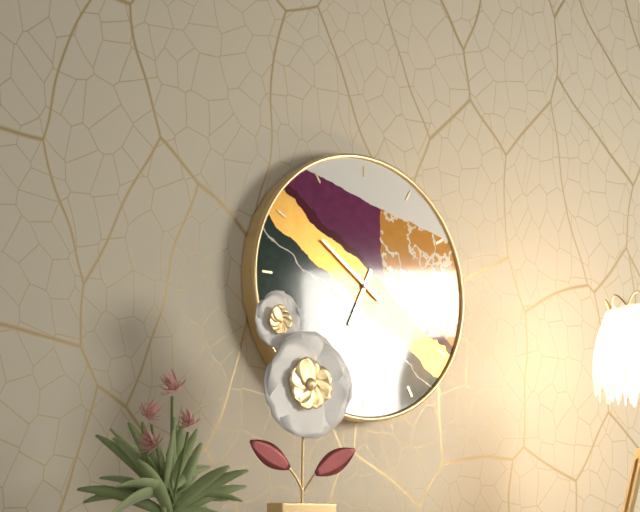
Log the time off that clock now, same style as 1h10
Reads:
6h51
